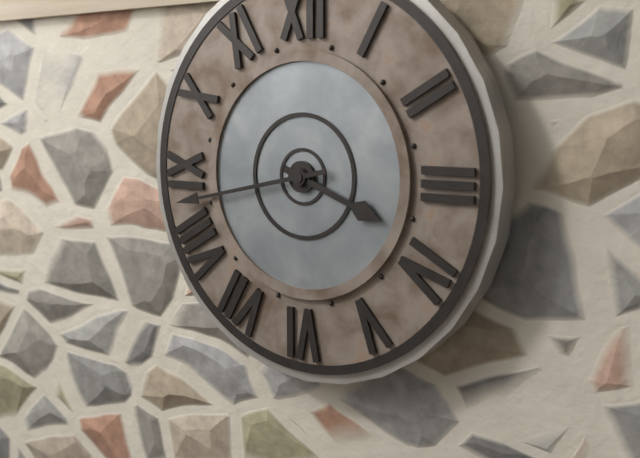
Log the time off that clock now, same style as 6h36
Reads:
3h43
